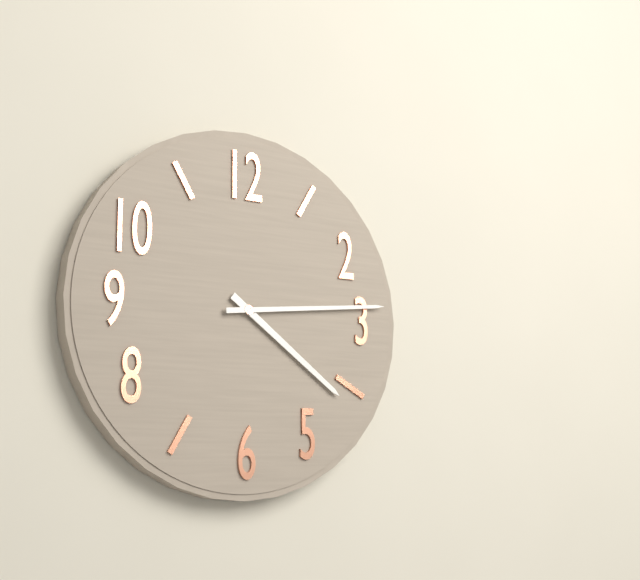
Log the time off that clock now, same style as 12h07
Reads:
4h14
